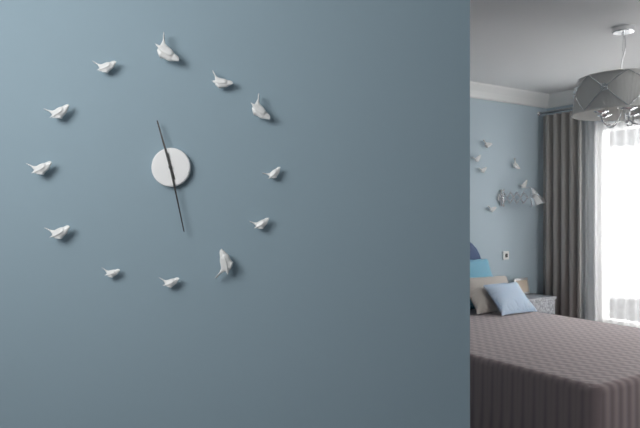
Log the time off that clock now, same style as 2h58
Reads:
11h28
